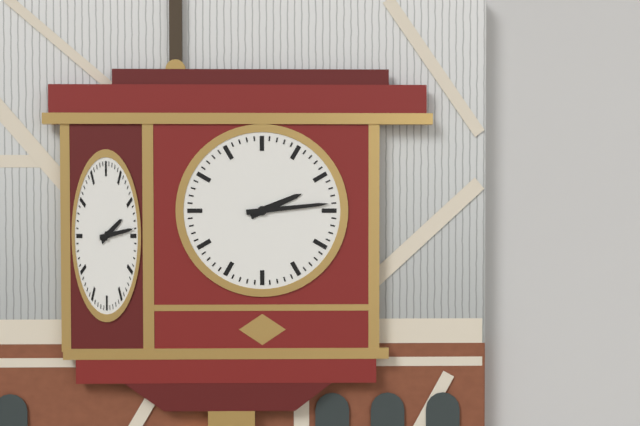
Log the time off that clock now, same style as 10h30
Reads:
2h14
